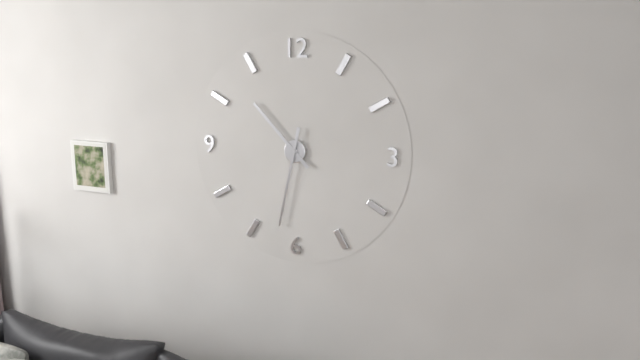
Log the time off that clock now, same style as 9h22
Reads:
10h32
